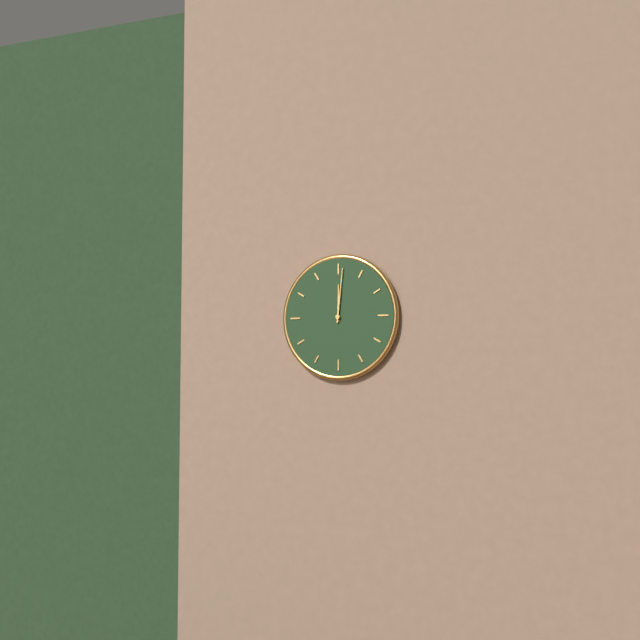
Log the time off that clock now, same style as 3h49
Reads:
12h01
